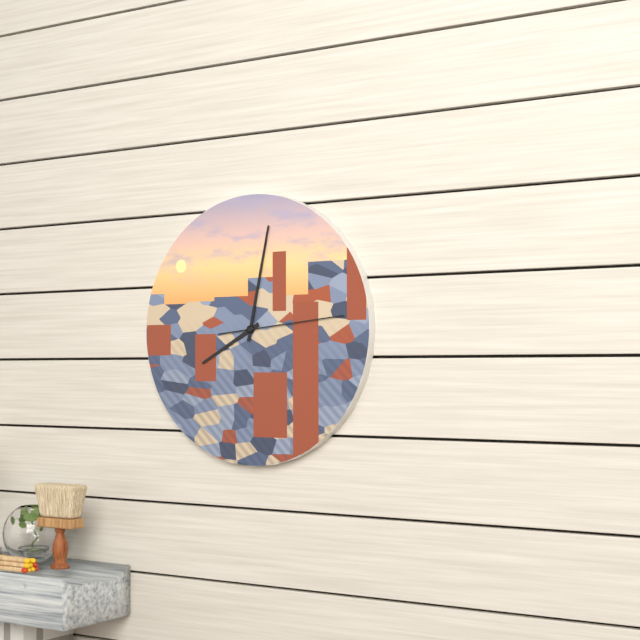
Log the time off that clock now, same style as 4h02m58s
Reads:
8h02m14s
